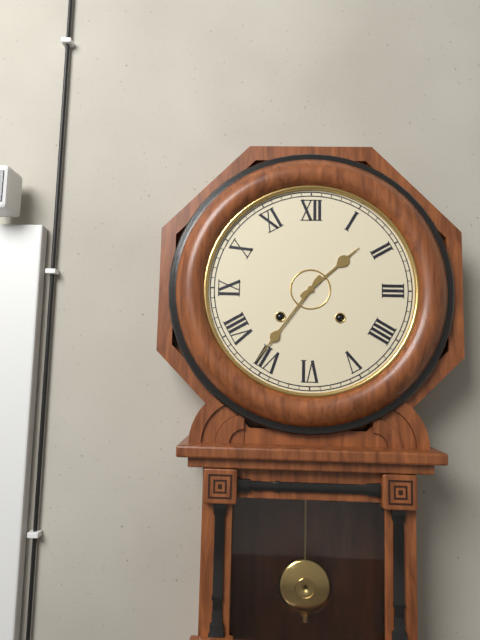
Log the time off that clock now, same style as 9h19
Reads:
1h36
